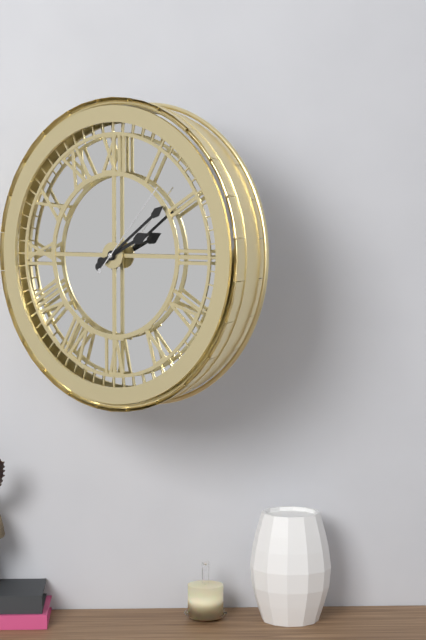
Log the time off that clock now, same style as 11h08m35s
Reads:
2h09m07s
